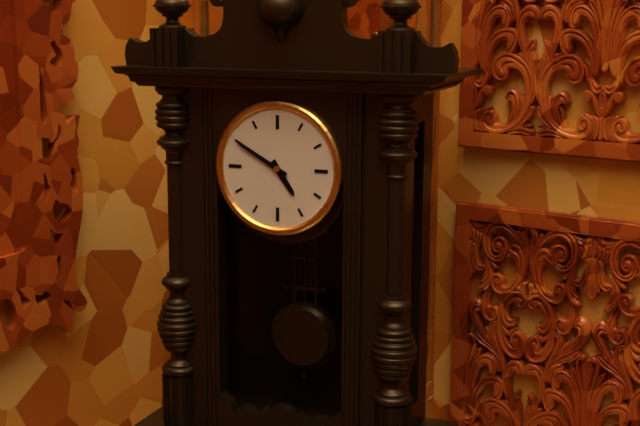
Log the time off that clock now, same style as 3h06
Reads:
4h50
